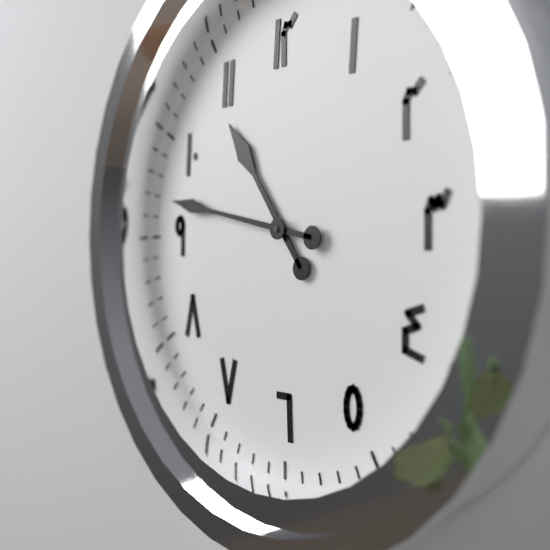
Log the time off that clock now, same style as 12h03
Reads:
10h47
